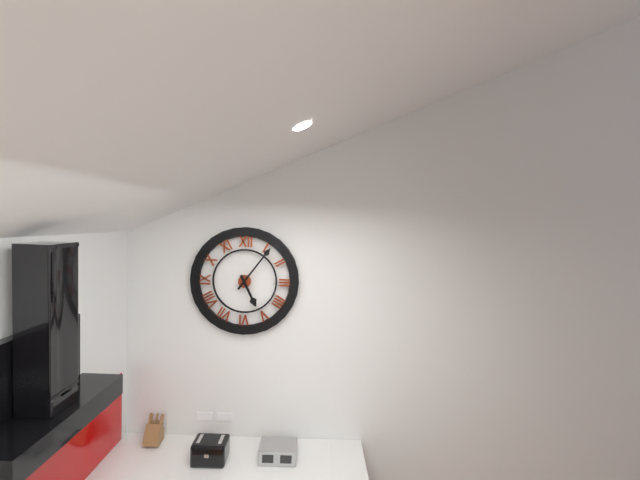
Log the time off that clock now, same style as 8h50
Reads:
5h06
